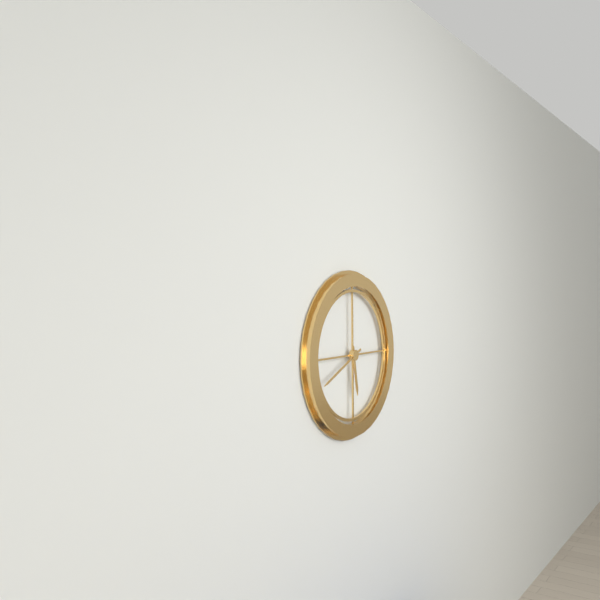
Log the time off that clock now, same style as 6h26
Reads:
5h41
